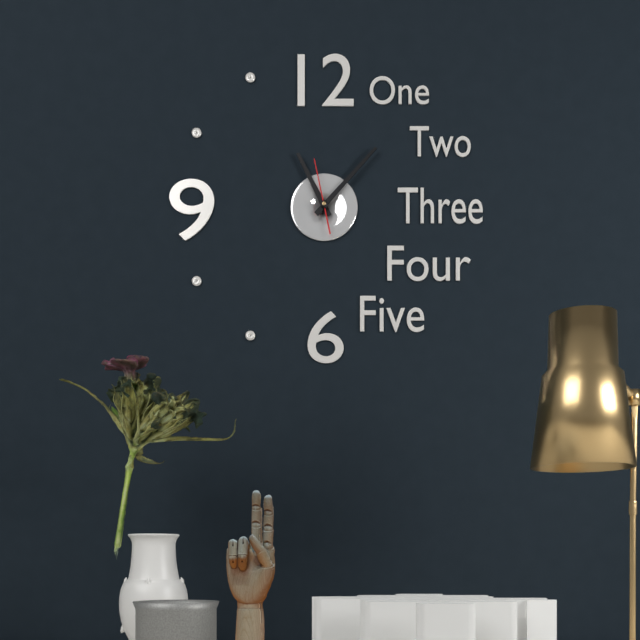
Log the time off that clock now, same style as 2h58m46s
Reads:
11h07m58s
